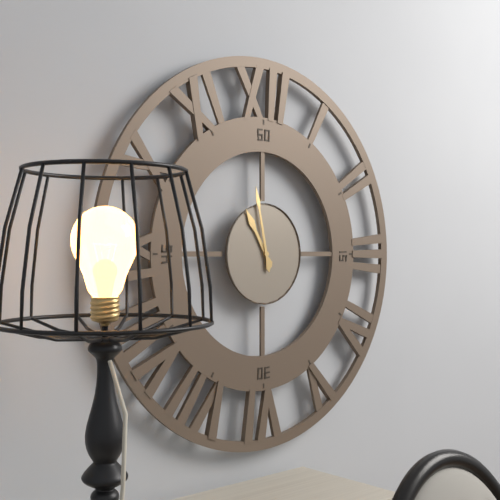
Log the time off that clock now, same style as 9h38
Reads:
10h58
